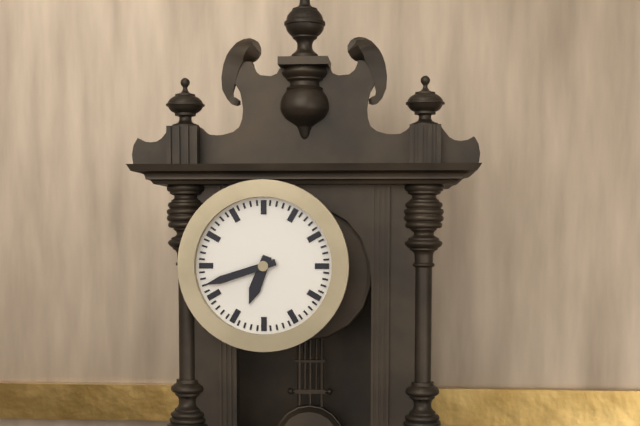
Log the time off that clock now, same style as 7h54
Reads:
6h42
